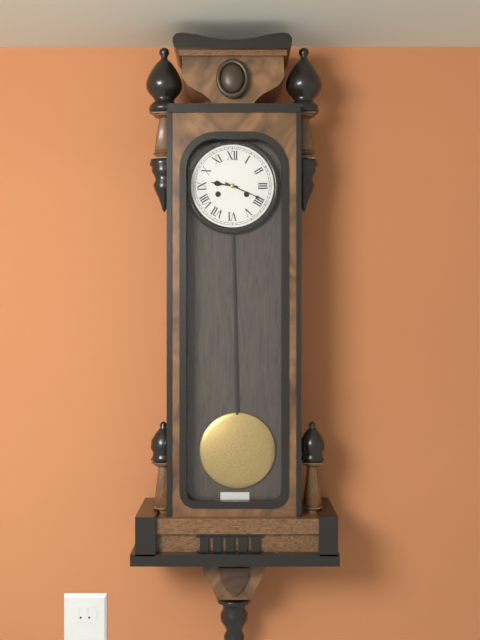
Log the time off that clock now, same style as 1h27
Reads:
9h19
